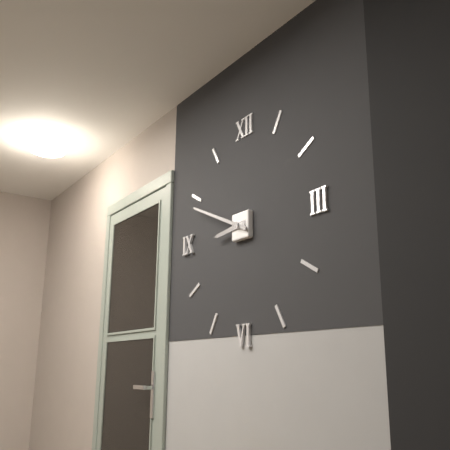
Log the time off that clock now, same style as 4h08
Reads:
8h49
